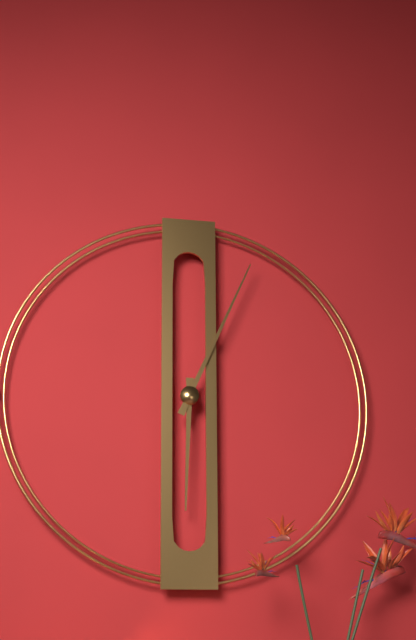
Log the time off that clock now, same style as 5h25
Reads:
6h04
